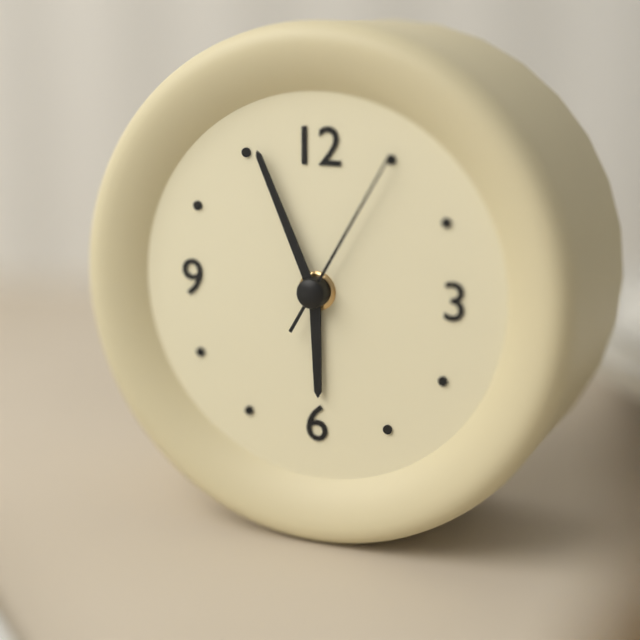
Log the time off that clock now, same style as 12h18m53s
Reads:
5h56m05s
